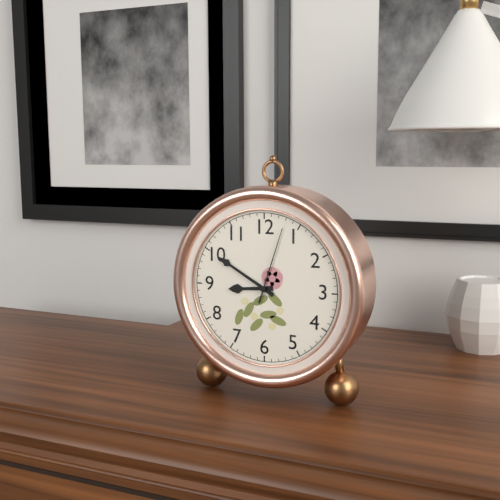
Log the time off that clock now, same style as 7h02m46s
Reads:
8h50m03s
